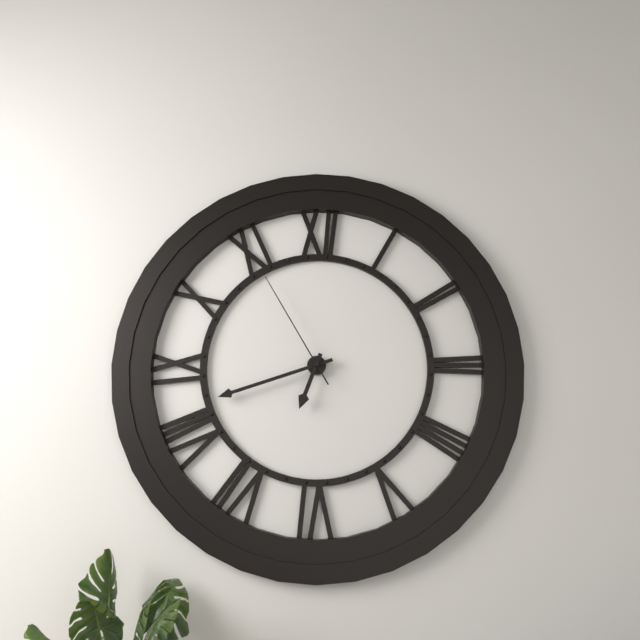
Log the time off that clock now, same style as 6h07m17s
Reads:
6h42m55s
